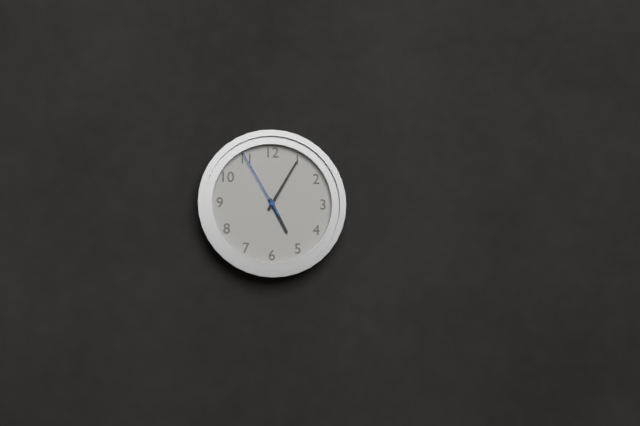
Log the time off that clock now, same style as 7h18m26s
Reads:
5h05m55s
